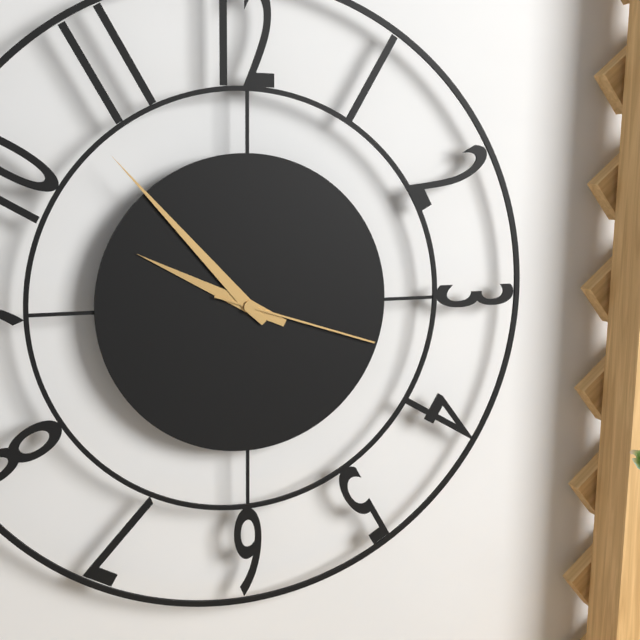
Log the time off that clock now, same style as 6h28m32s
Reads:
9h53m18s
